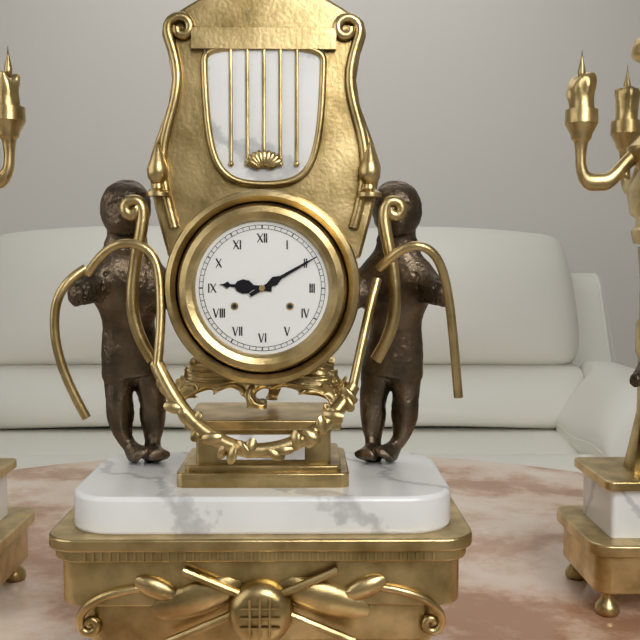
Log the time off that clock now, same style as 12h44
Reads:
9h10
